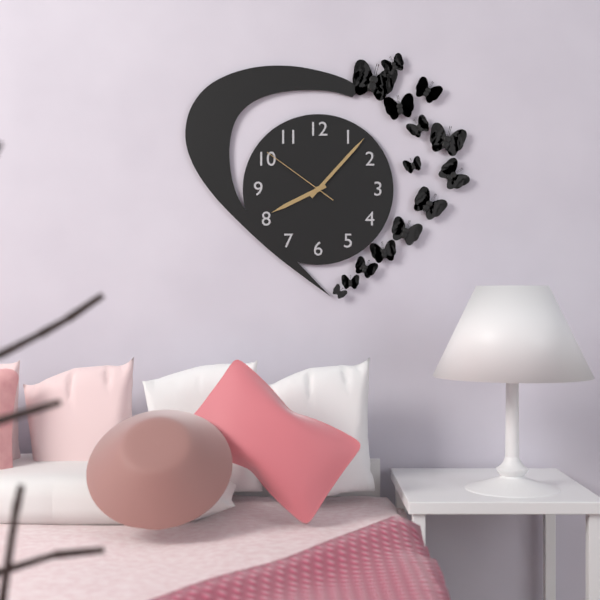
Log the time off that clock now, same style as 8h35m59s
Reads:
8h07m51s
